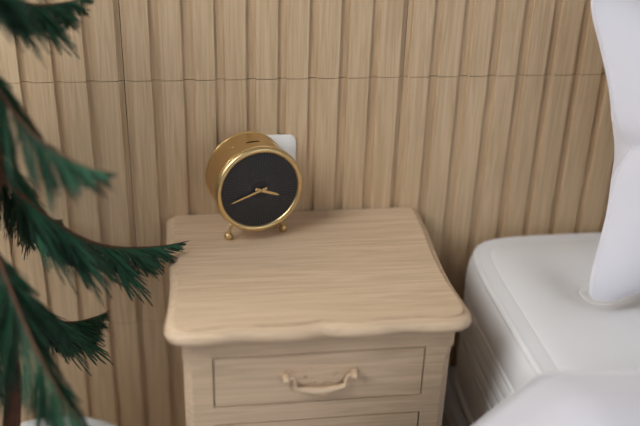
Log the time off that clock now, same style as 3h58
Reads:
3h42
